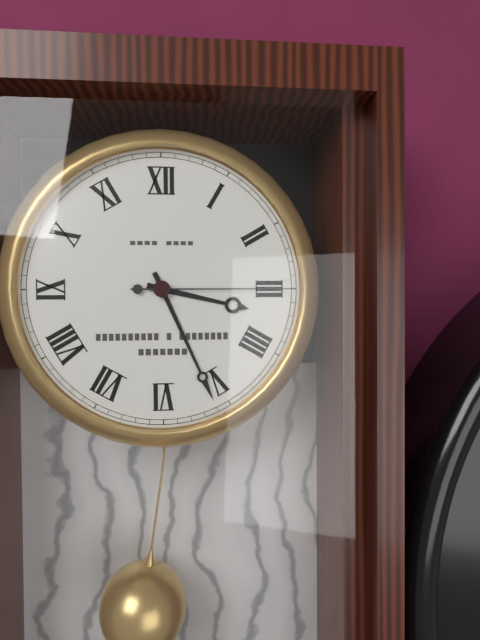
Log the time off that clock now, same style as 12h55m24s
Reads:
3h26m15s
